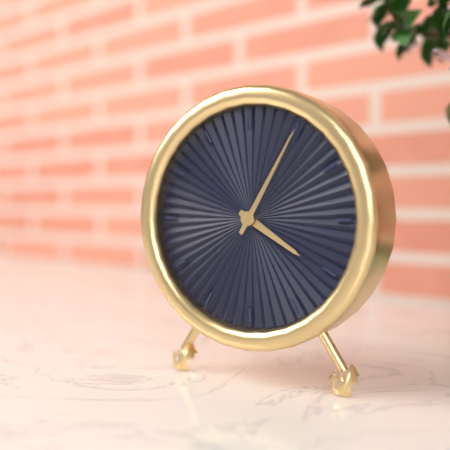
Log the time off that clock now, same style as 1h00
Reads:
4h05
